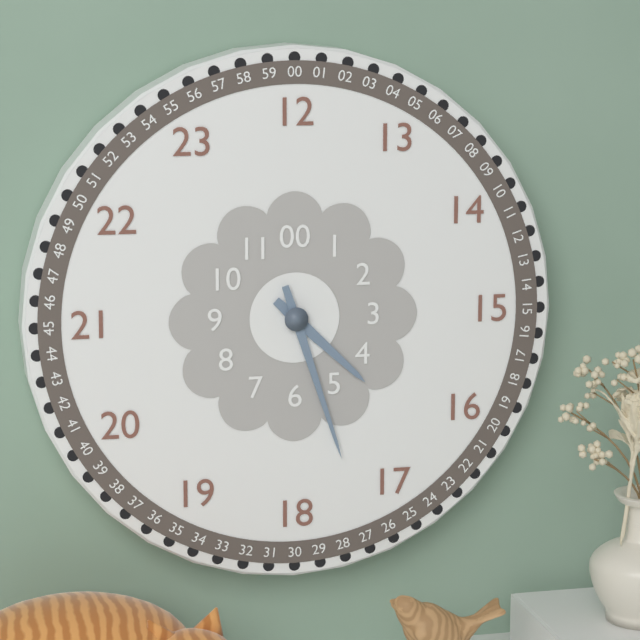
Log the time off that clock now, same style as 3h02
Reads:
4h27
